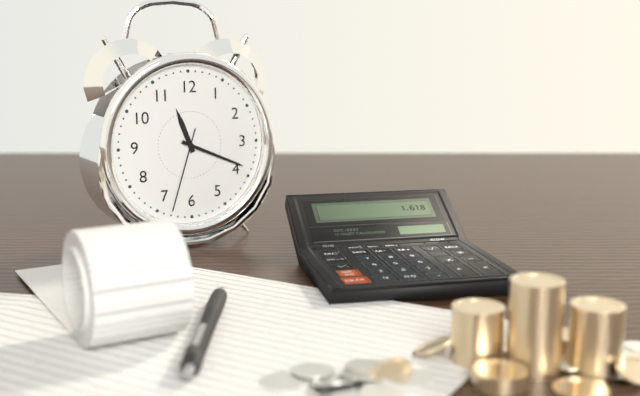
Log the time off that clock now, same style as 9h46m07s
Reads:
11h19m33s
